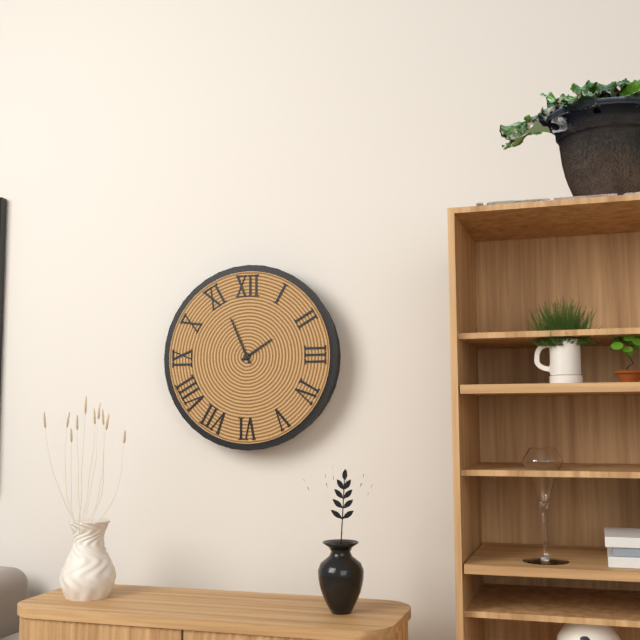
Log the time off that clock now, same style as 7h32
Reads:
1h56
